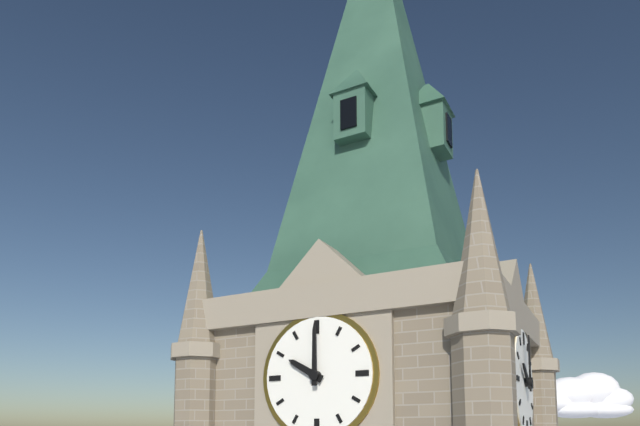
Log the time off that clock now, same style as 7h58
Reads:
10h00
